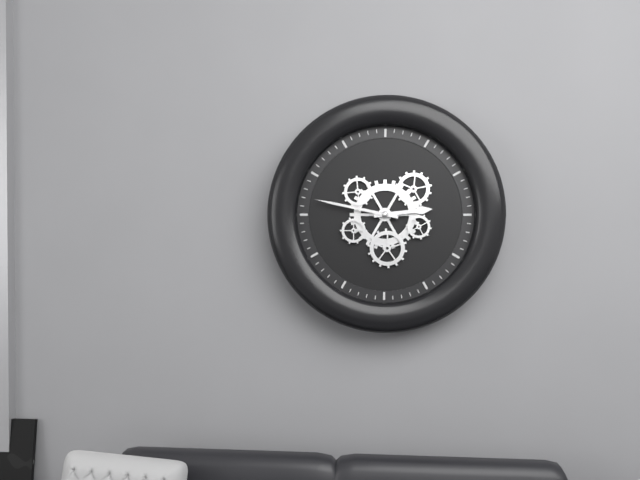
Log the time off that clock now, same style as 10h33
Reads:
2h47
